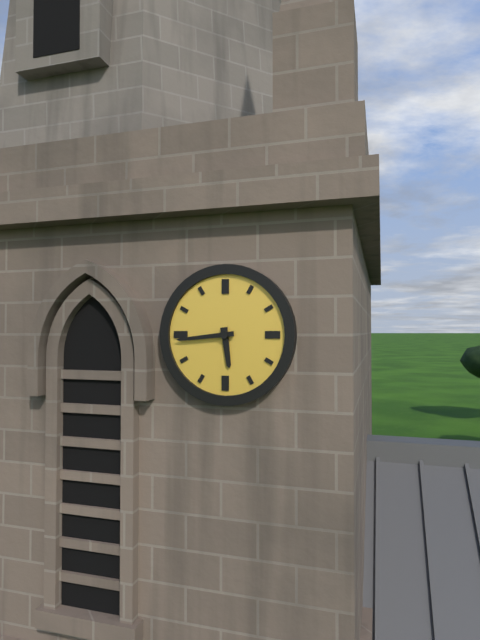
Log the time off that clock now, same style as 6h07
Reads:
5h44
